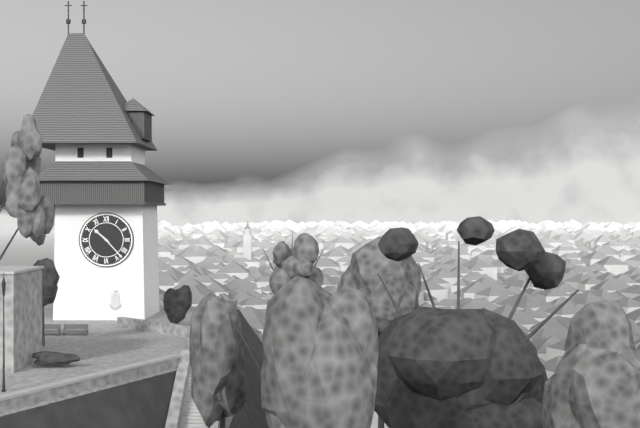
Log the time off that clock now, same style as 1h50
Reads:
10h23
